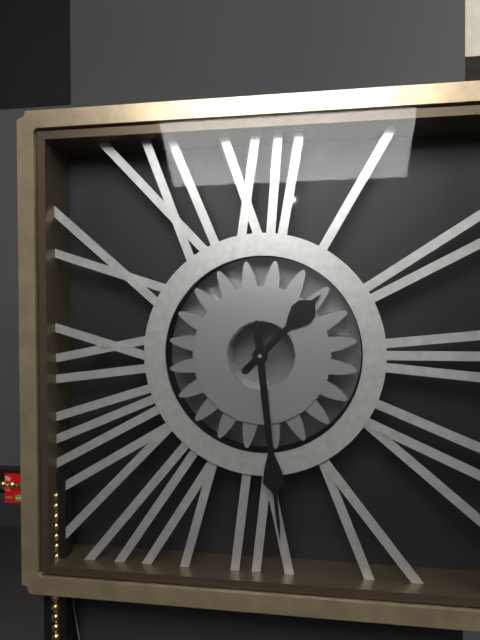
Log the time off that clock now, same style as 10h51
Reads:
1h29
